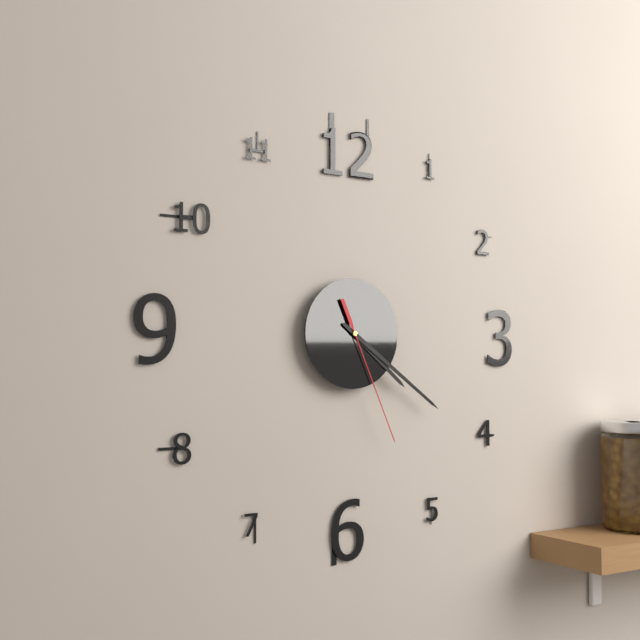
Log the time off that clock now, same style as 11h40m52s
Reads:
4h21m26s
